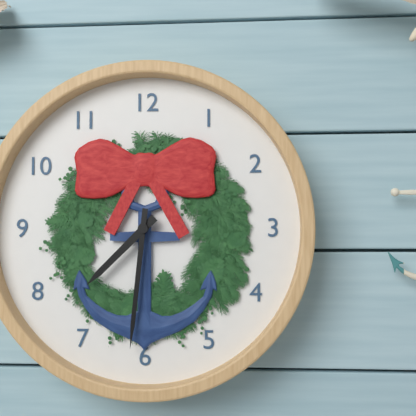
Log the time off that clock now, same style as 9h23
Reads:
7h31
